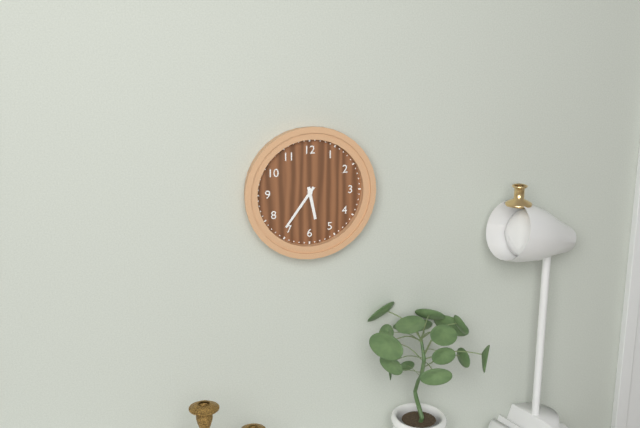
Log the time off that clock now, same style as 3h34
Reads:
5h36
